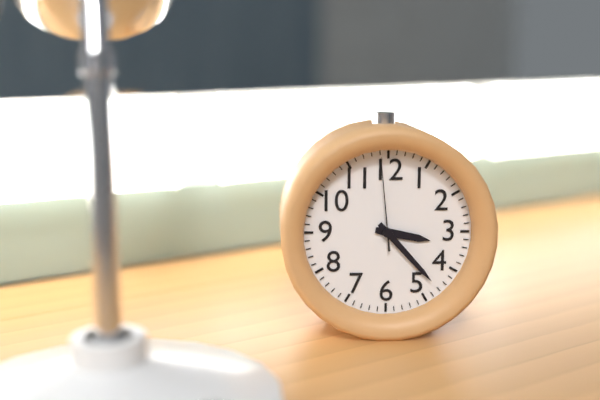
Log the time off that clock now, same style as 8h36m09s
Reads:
3h23m59s
